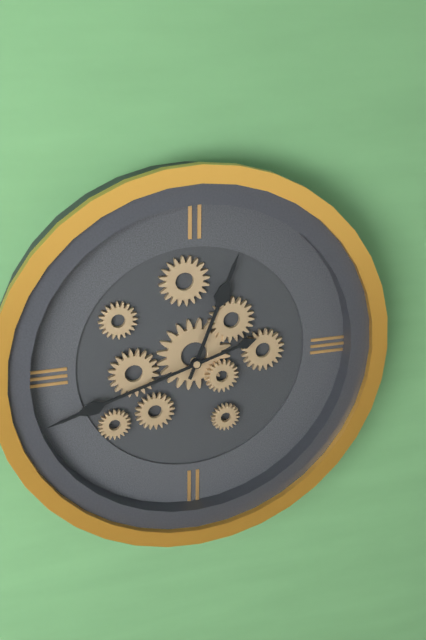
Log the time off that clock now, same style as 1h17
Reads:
12h42
